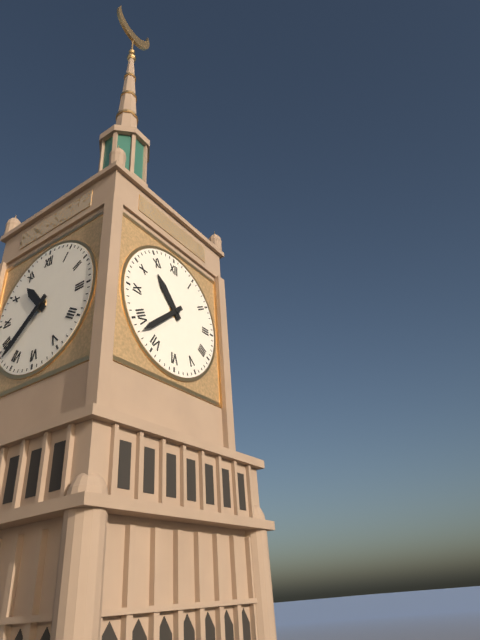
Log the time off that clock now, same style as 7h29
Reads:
10h38
